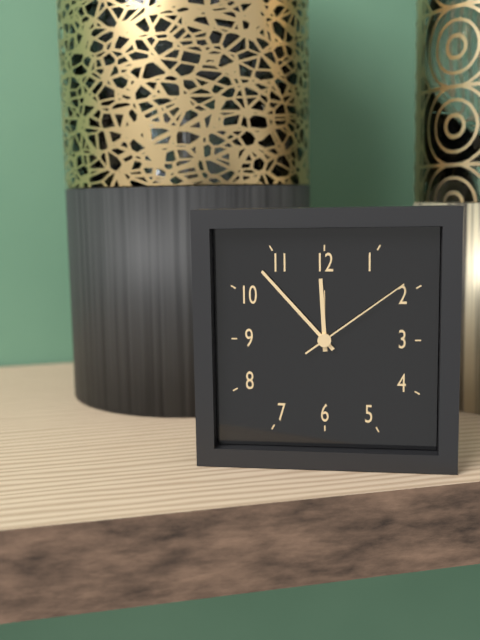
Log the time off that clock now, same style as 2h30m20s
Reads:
11h53m09s
